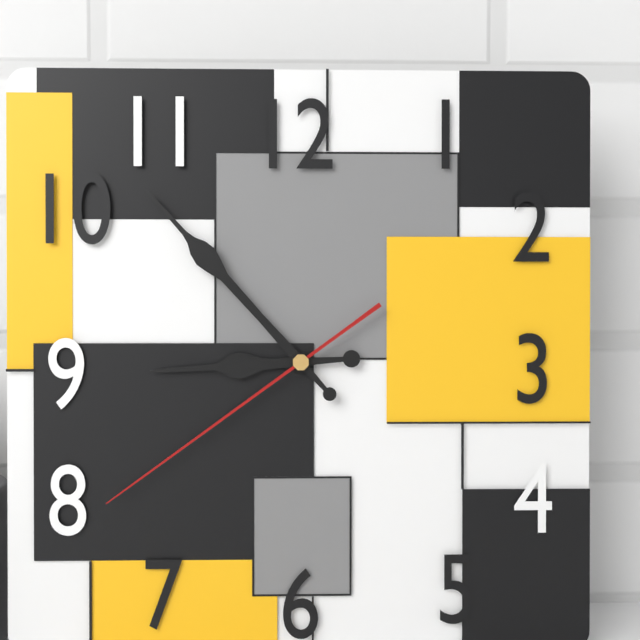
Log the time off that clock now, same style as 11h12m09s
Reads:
8h53m39s
